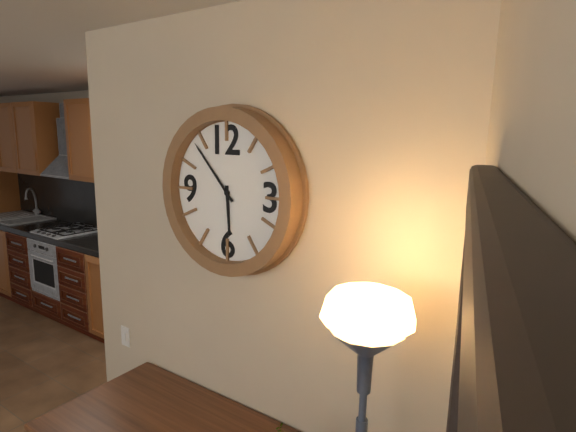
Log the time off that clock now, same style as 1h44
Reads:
5h53
